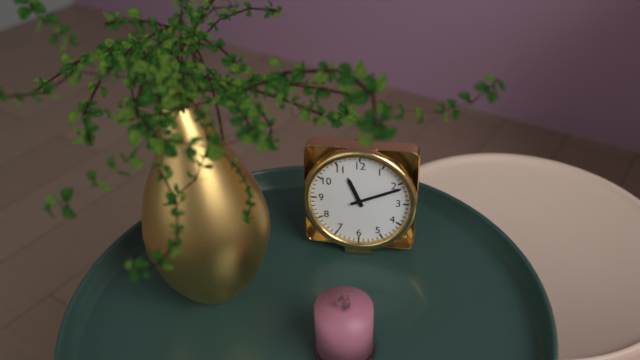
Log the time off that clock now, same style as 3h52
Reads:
11h11
